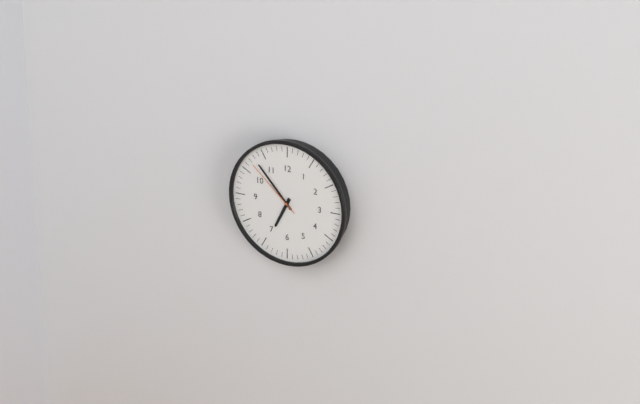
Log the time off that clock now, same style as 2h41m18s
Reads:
6h53m52s
